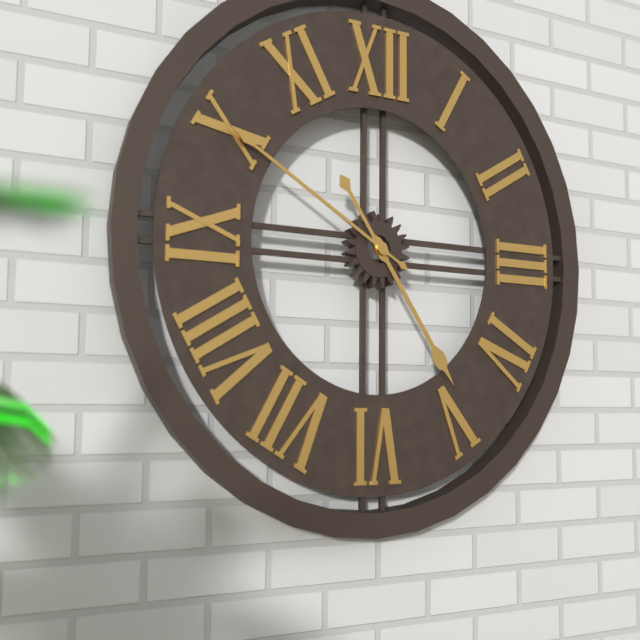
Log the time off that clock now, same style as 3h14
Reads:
4h50
